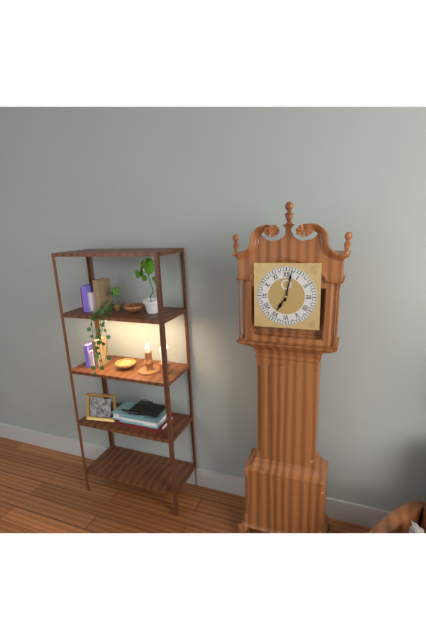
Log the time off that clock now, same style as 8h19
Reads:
7h02
